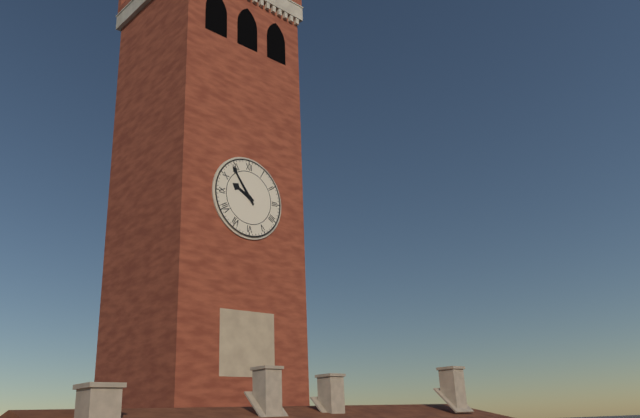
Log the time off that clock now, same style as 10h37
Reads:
9h54
